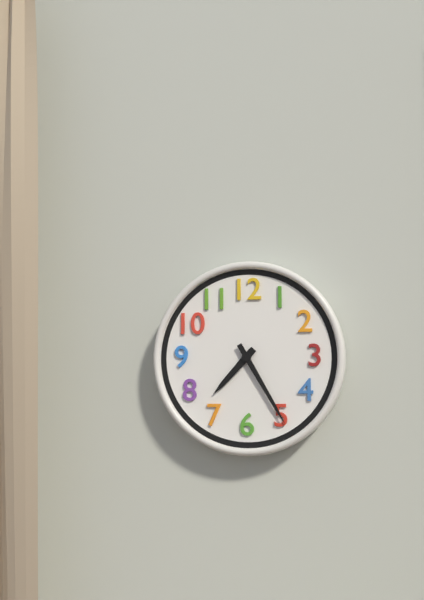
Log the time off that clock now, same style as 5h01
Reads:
7h25
